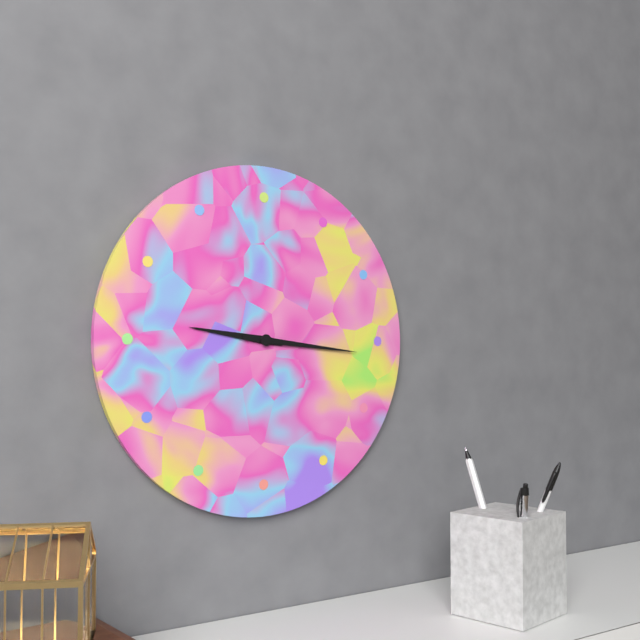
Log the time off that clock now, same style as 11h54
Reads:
9h16
